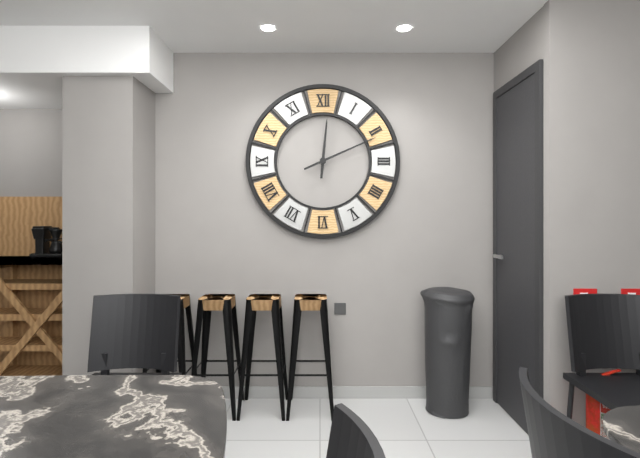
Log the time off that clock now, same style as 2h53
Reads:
12h11
